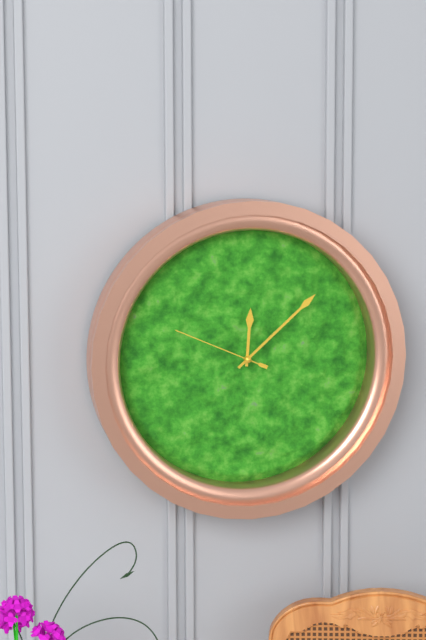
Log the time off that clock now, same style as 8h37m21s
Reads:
12h08m49s
